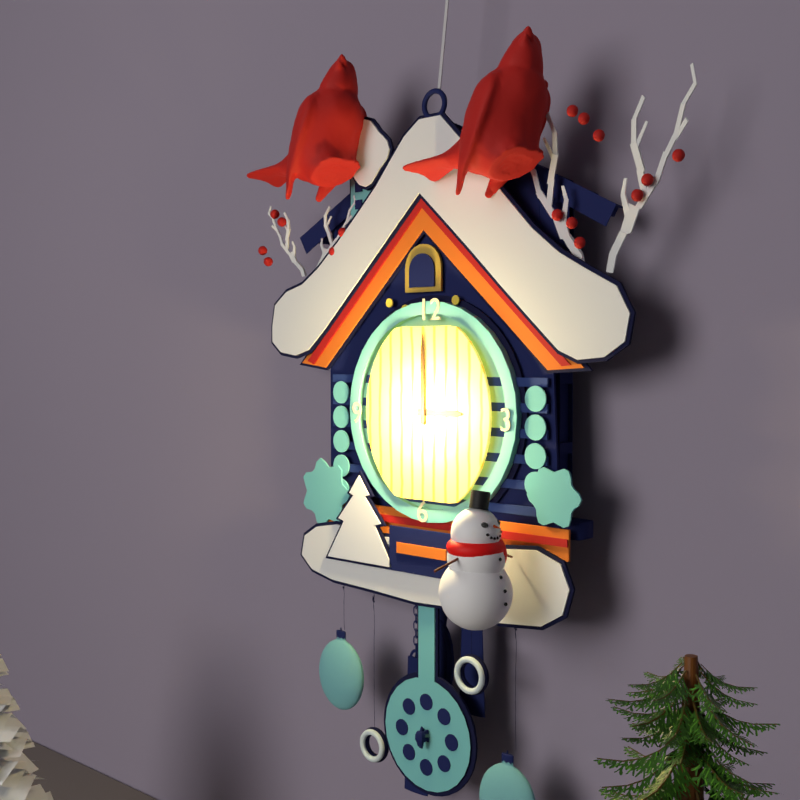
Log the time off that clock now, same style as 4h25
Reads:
3h00
